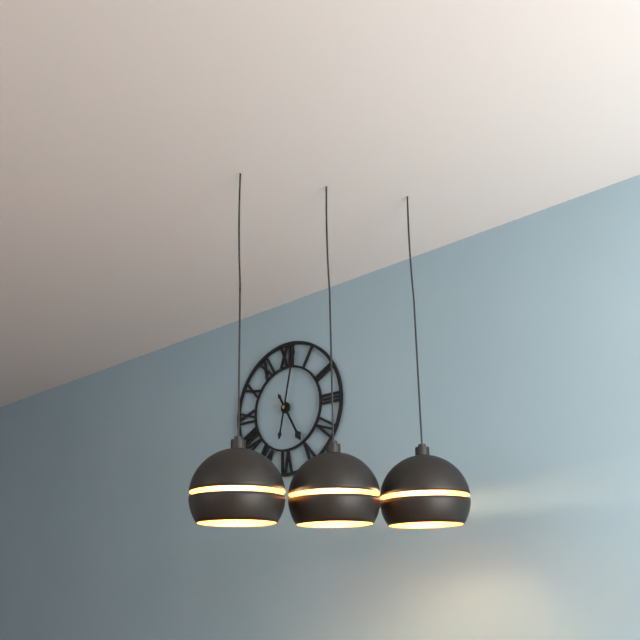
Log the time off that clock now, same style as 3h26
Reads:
5h02
